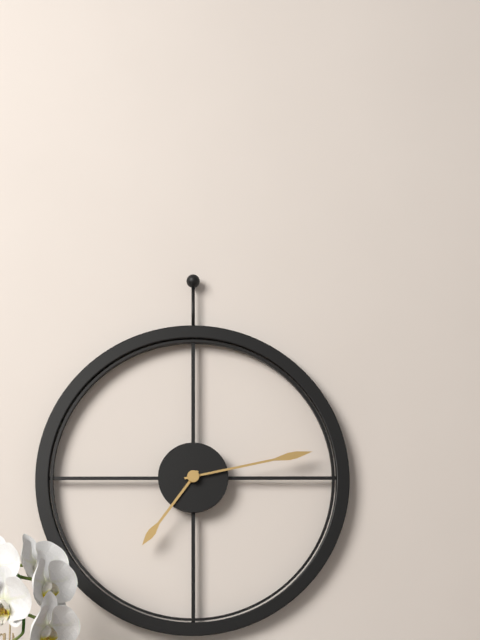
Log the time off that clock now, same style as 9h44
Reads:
7h13
